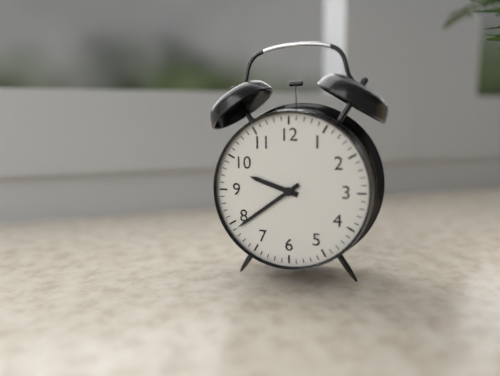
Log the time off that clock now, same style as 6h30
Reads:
9h39
